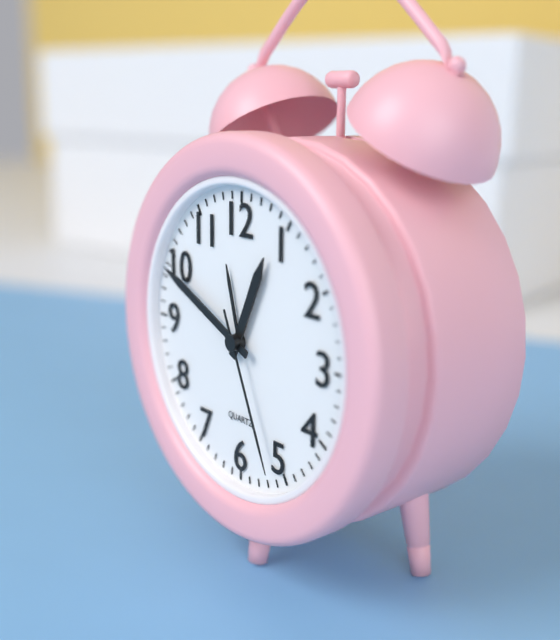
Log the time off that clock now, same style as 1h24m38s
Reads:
12h49m26s
